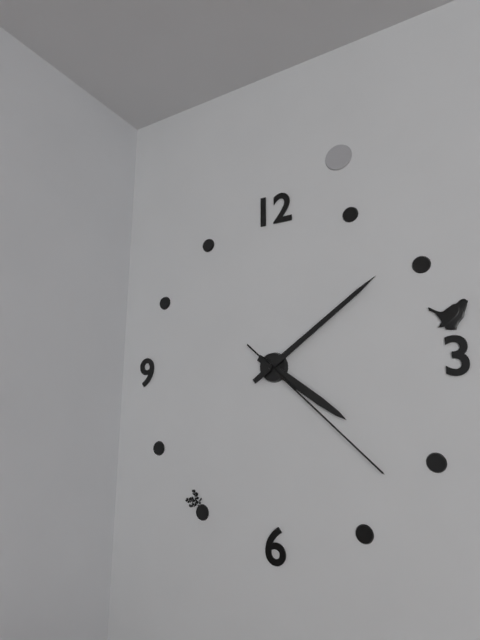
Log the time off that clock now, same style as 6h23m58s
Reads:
4h09m22s
